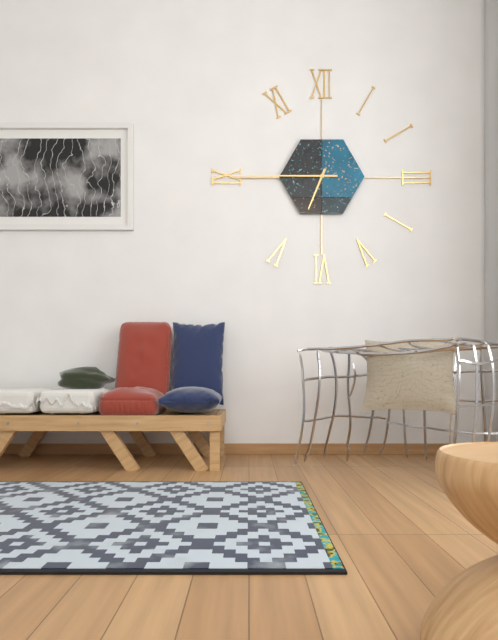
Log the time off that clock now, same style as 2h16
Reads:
6h45
